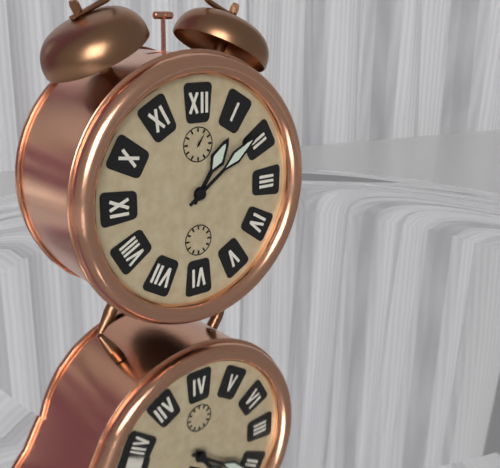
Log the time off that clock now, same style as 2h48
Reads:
1h09
